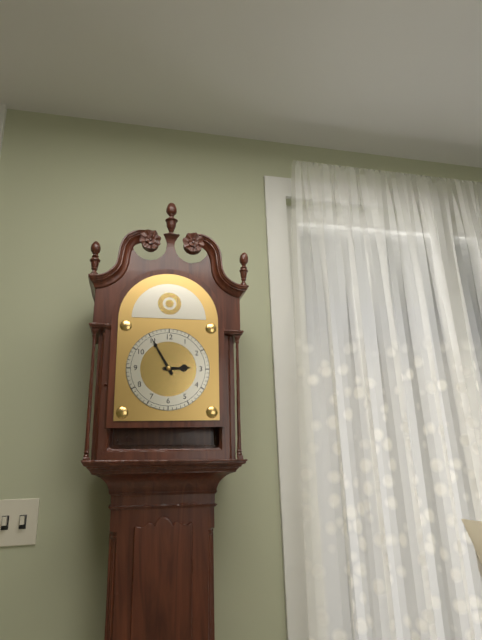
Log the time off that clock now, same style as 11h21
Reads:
2h55
